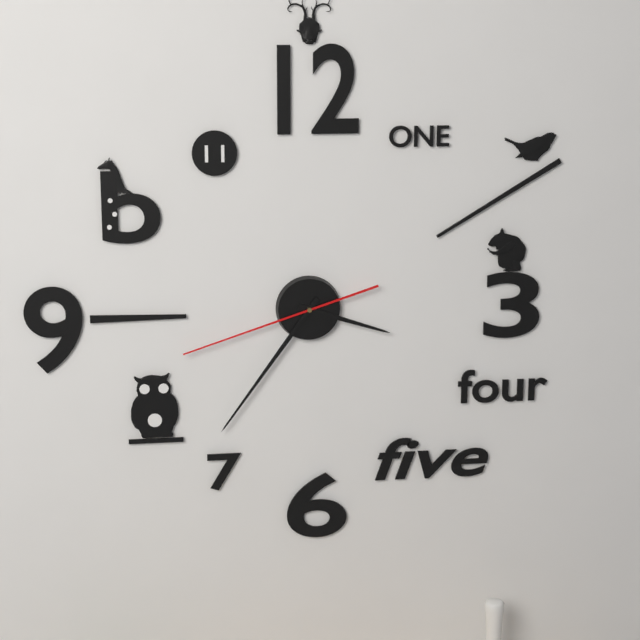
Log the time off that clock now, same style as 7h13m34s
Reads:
3h36m42s
